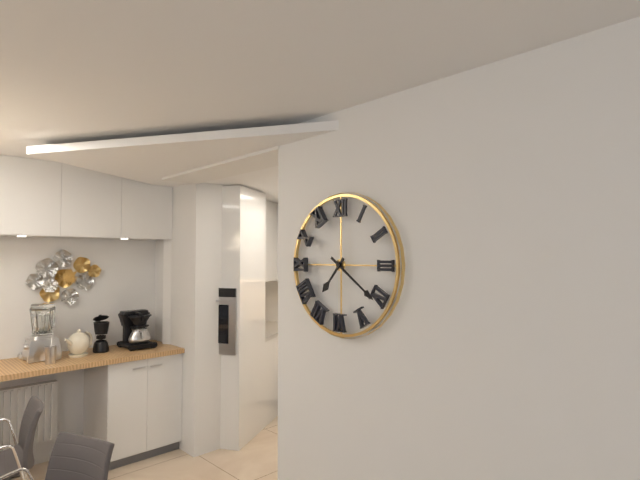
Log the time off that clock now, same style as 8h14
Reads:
7h21
